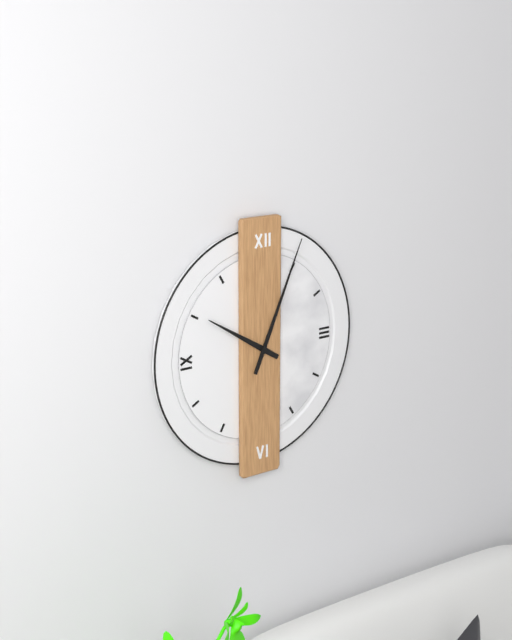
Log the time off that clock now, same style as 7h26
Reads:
10h04
